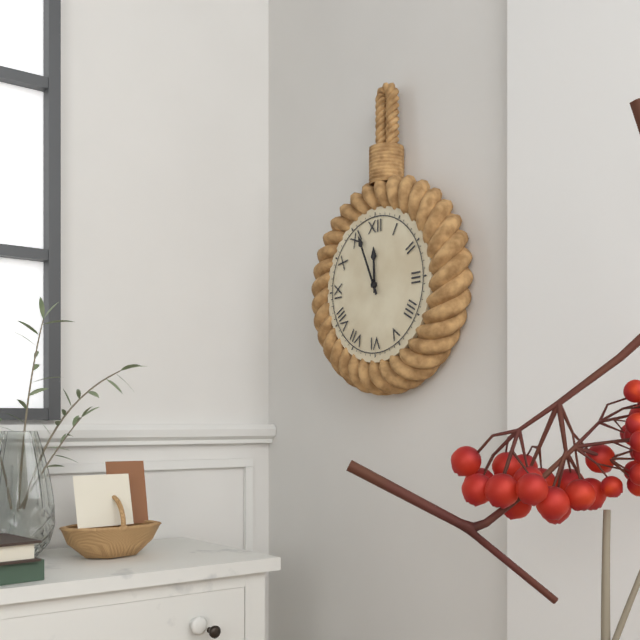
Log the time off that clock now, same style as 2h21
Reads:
11h56
